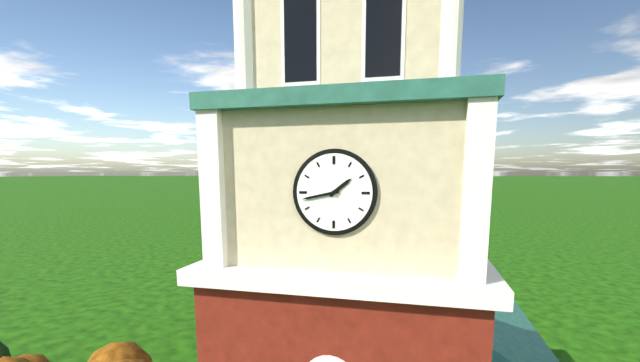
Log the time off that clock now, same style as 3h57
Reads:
1h43
